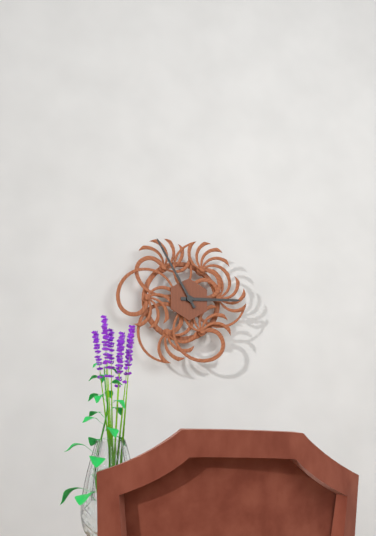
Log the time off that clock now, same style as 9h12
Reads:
2h55
